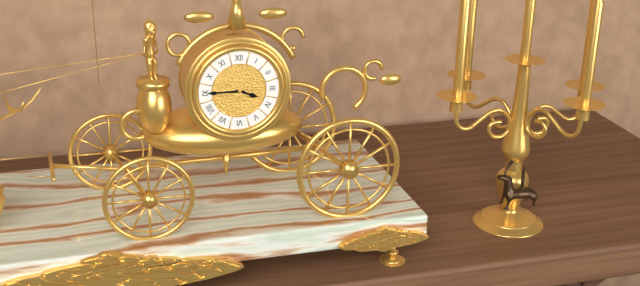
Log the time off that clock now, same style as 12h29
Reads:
3h45
